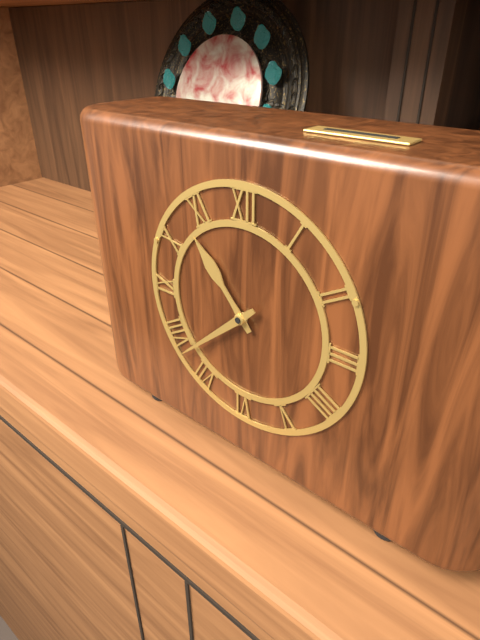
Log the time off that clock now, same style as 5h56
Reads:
10h38
